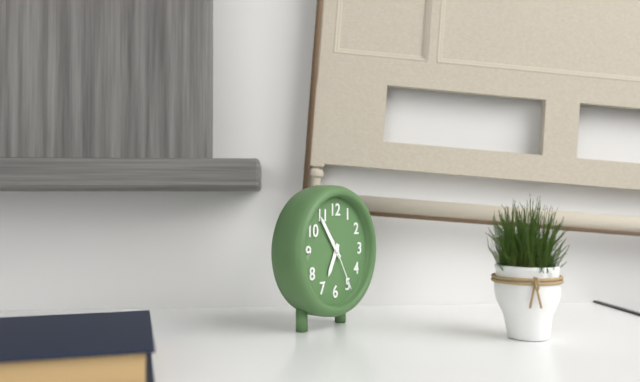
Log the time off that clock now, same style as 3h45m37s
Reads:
6h54m25s
